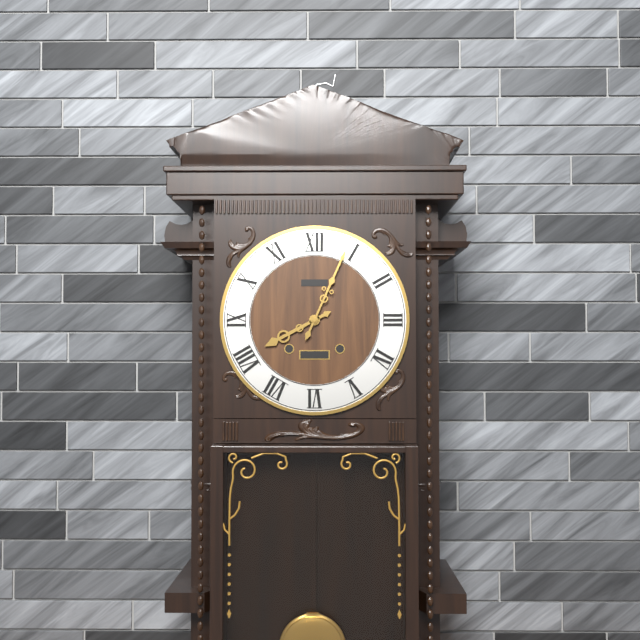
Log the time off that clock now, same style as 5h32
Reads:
8h04
